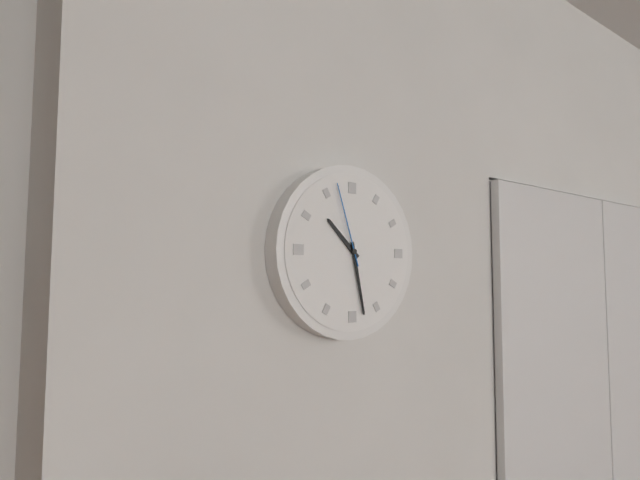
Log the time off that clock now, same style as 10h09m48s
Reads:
10h28m57s
